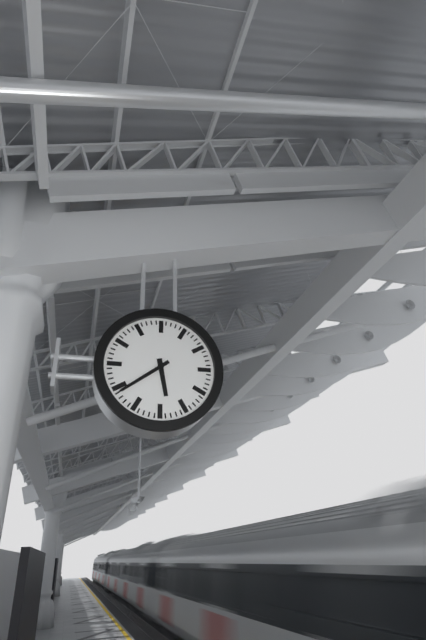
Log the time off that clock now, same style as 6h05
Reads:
5h39
